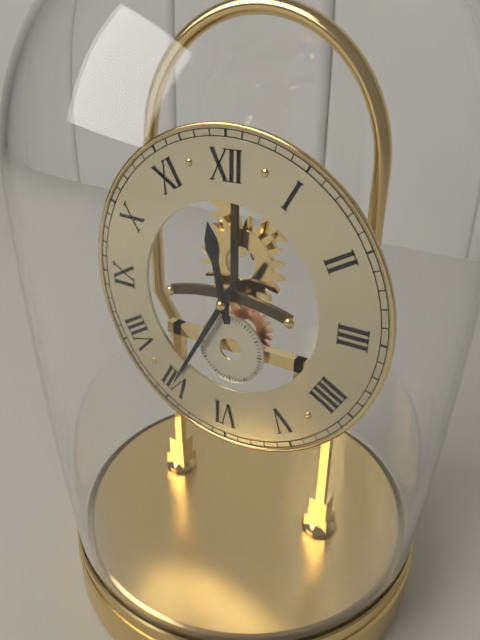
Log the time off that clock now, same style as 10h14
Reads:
11h35
